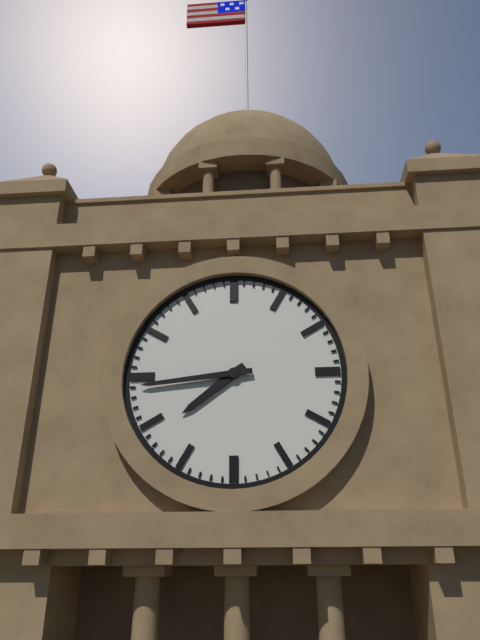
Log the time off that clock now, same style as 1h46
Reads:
7h44
